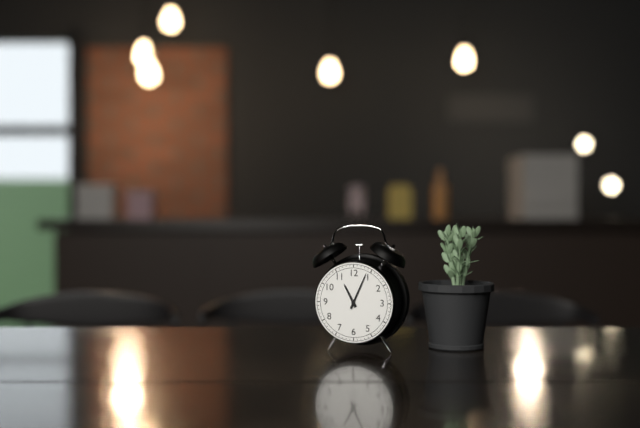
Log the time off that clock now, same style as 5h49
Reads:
11h04
